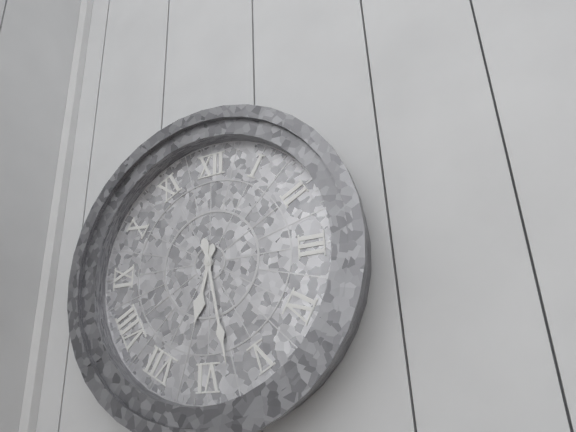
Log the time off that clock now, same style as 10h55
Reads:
6h28
